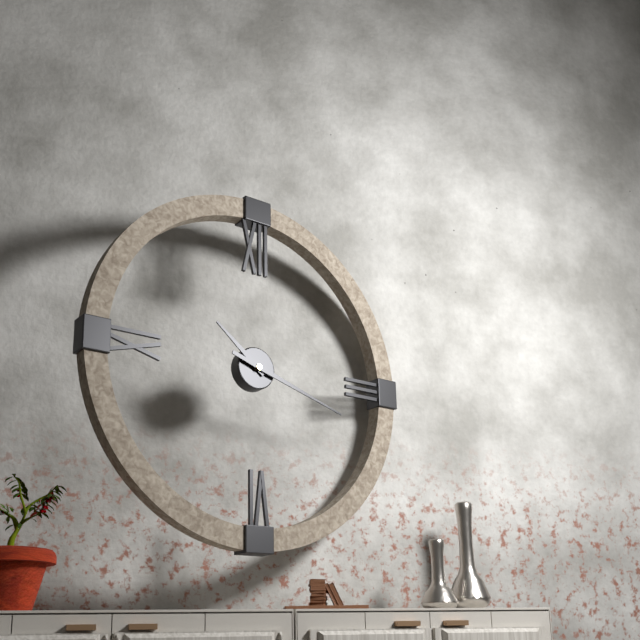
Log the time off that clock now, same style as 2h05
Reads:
10h18
